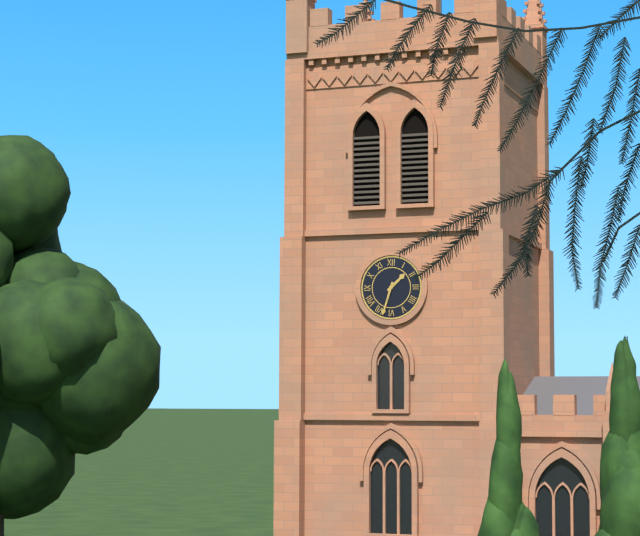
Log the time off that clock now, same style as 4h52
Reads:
1h33
